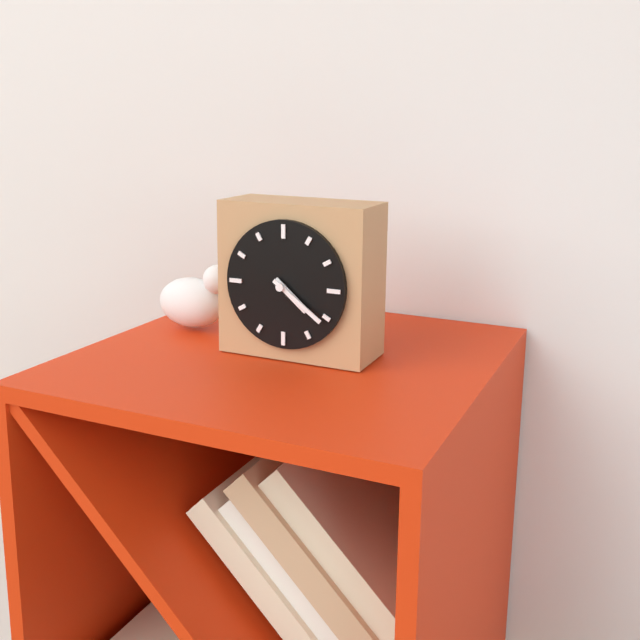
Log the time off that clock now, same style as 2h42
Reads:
4h21
